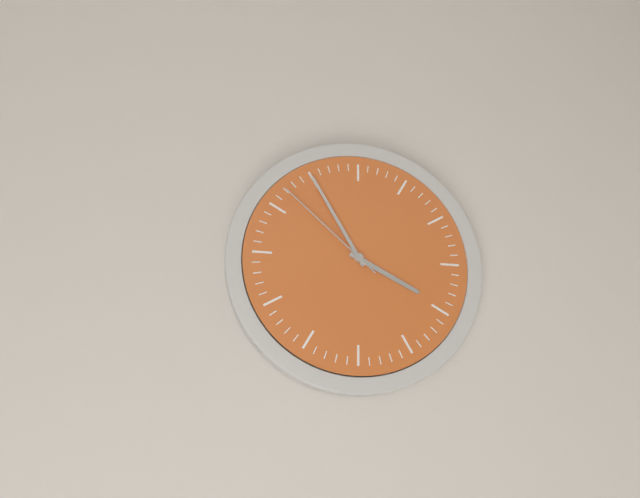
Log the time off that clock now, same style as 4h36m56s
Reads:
3h55m52s
